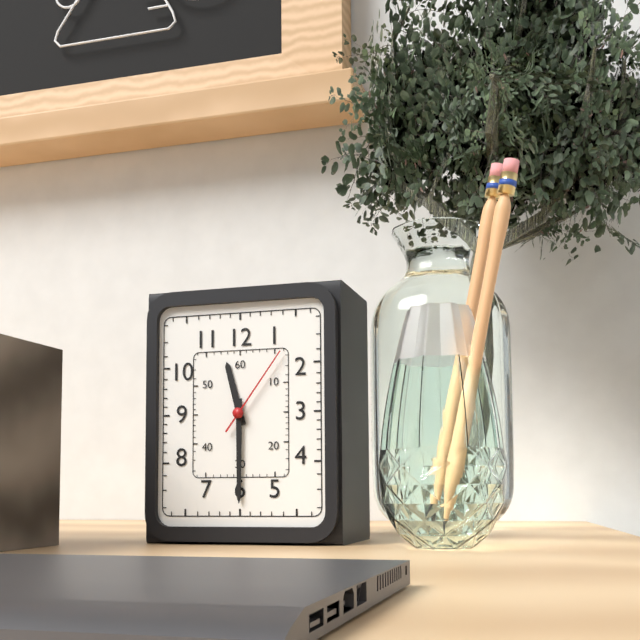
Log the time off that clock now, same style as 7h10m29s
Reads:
11h30m06s
